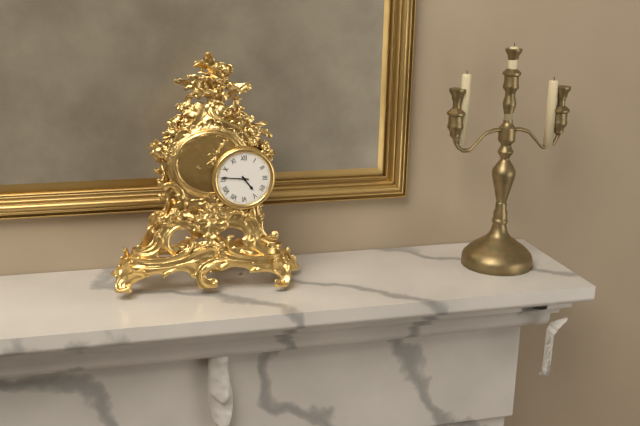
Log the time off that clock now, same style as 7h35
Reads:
4h46
